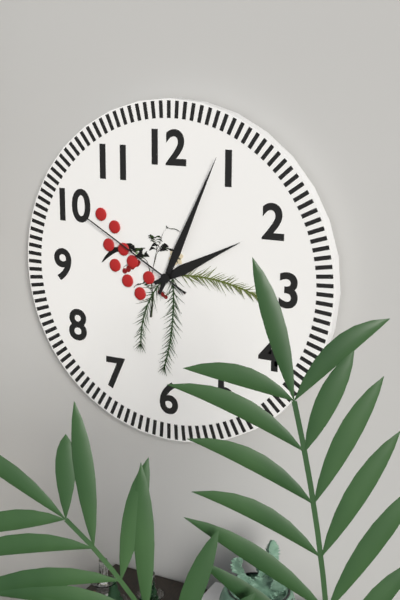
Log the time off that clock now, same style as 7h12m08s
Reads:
2h04m50s
